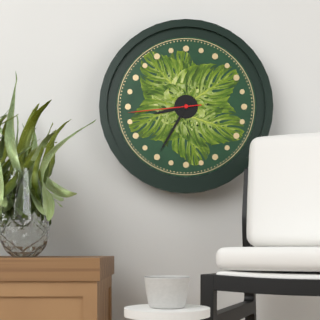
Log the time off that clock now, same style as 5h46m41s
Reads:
8h35m44s
